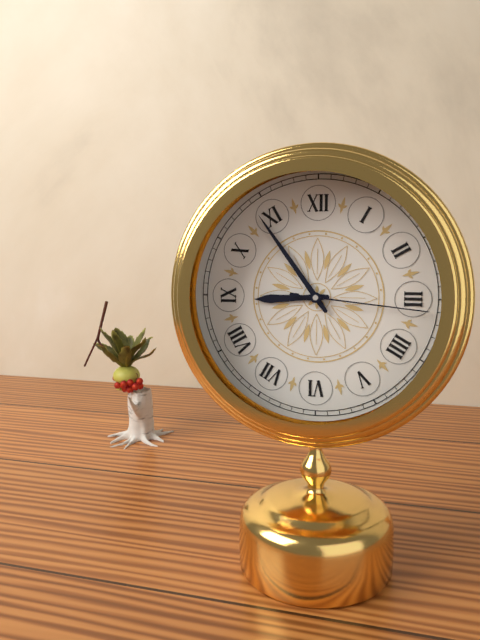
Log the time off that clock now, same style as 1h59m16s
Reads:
8h54m16s
